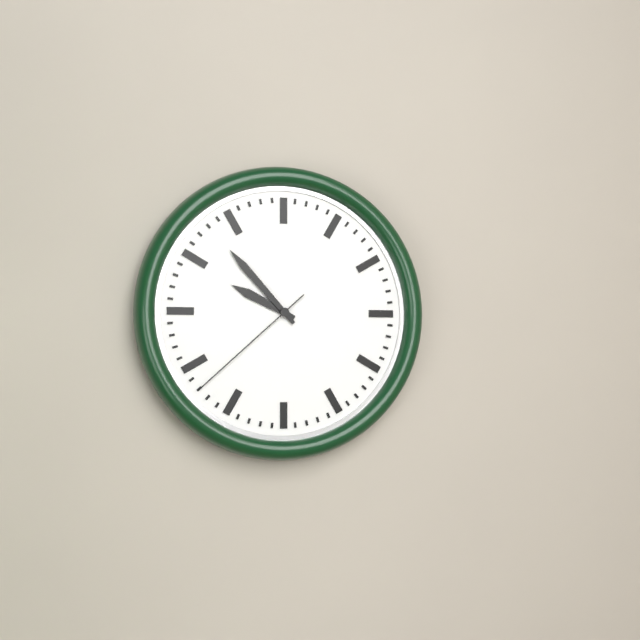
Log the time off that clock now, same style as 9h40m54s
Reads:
9h53m38s
